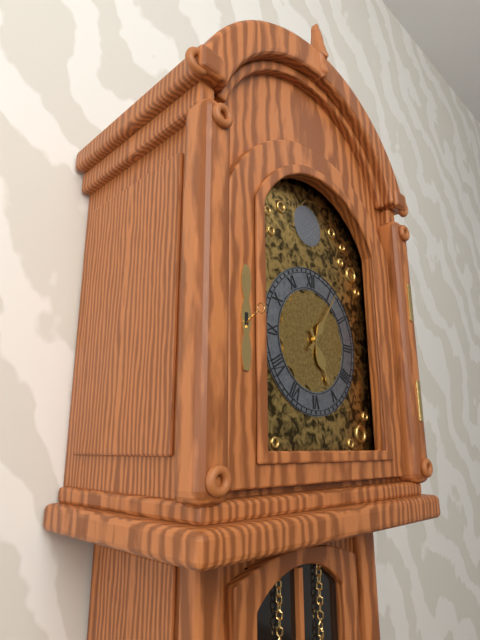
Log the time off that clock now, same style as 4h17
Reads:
5h06
